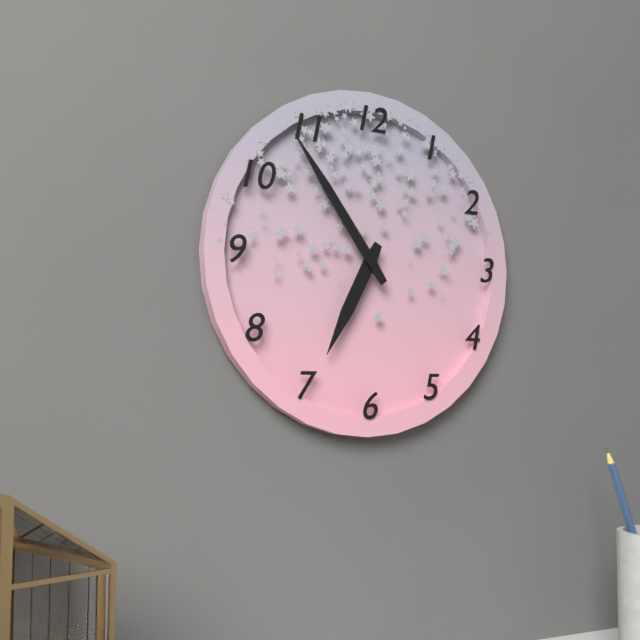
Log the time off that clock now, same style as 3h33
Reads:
6h54
